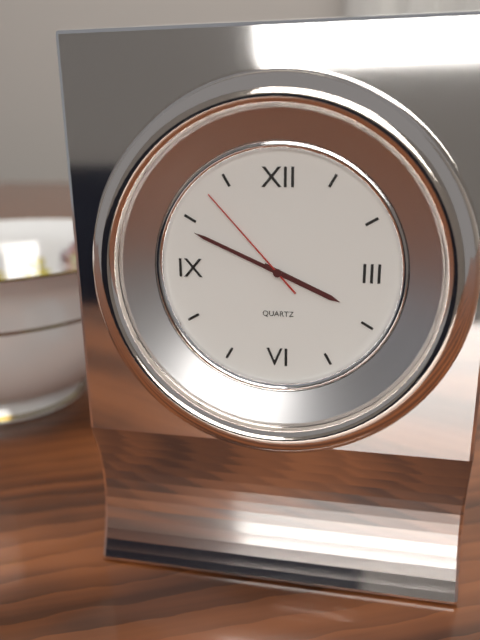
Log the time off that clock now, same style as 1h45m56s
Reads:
3h49m53s
